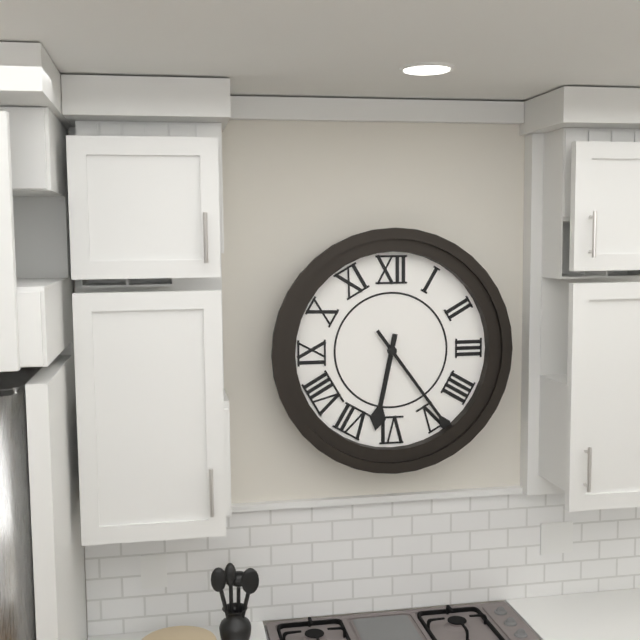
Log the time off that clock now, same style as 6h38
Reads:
6h24
